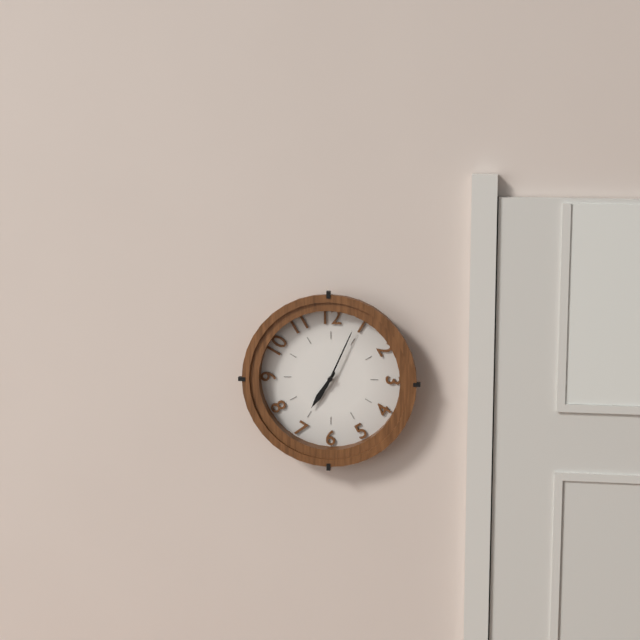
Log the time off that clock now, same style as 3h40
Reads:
7h04
